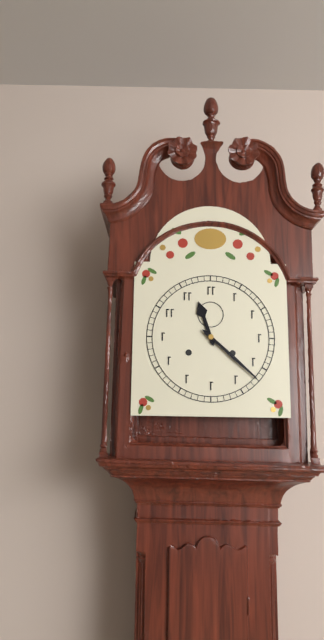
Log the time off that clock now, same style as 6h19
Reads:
11h22
